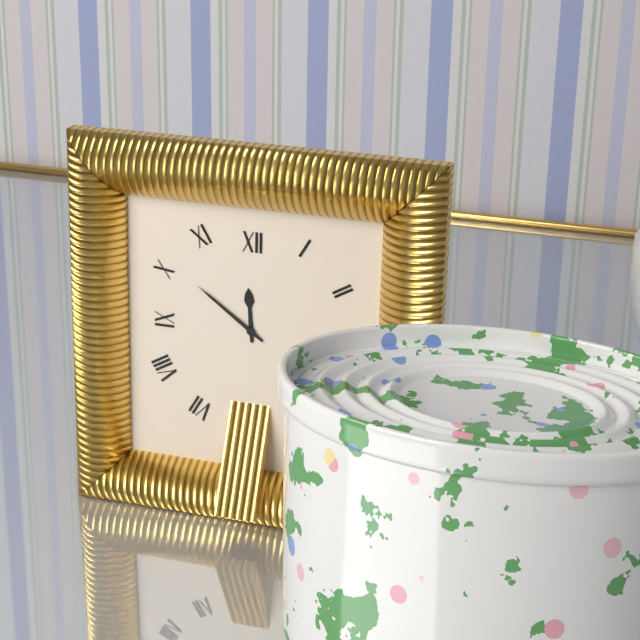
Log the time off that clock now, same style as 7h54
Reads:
11h51
